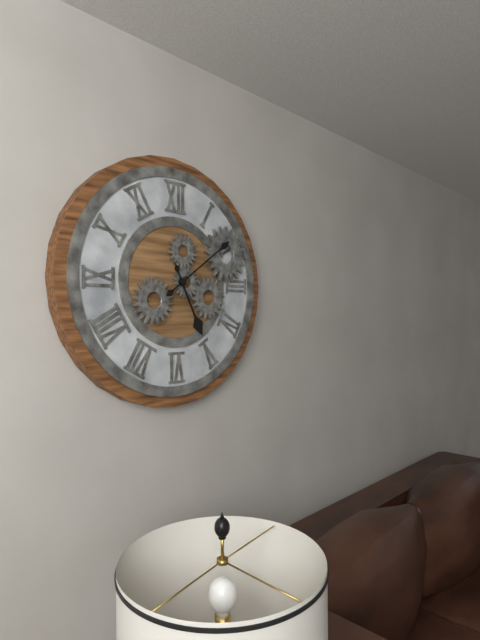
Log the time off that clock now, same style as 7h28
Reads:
5h09
